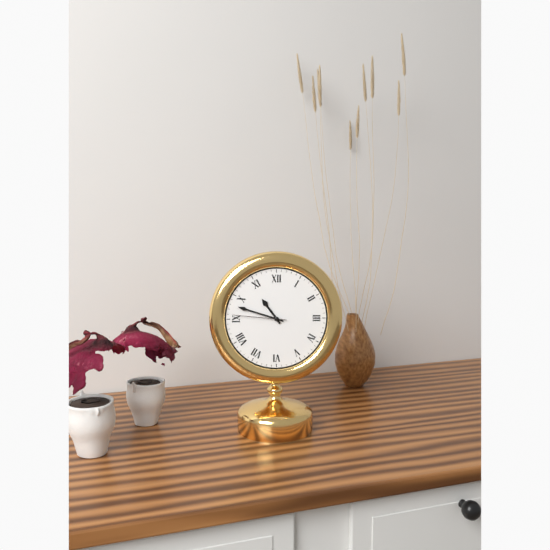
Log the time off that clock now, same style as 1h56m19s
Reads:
10h48m46s
